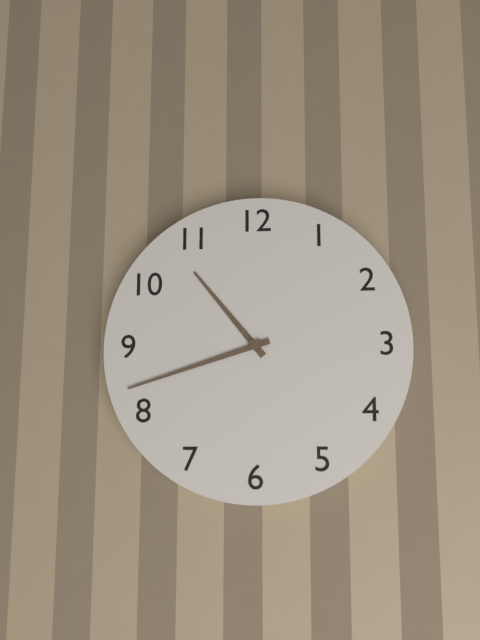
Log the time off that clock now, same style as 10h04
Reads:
10h42
